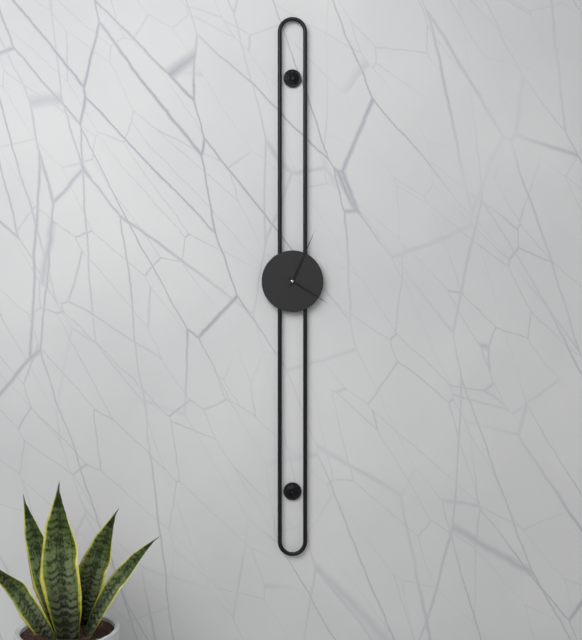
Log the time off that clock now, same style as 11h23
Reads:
4h04
